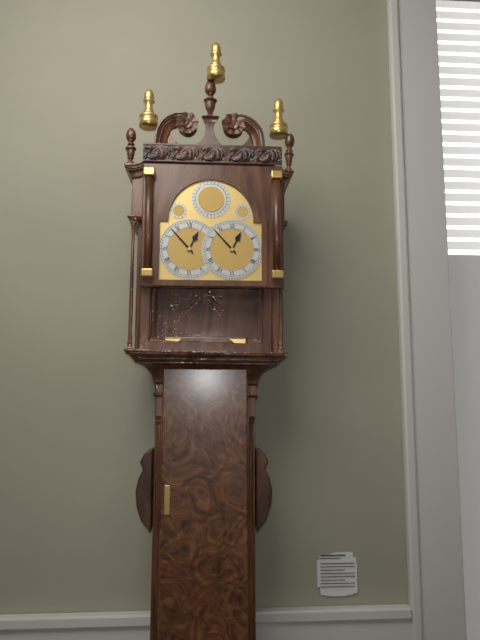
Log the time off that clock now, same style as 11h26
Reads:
12h53
